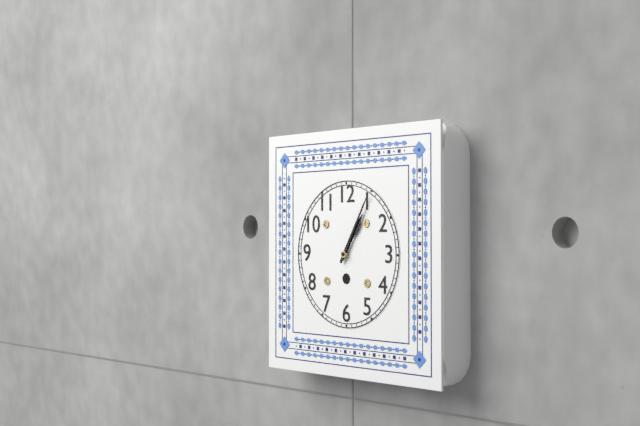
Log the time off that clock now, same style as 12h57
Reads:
1h05
